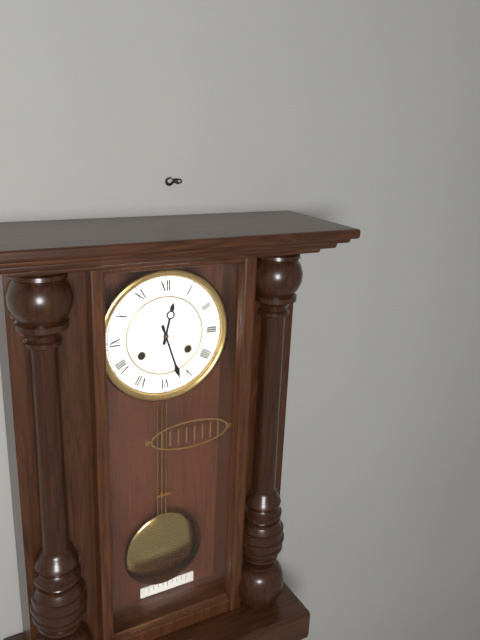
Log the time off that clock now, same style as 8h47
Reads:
12h27
